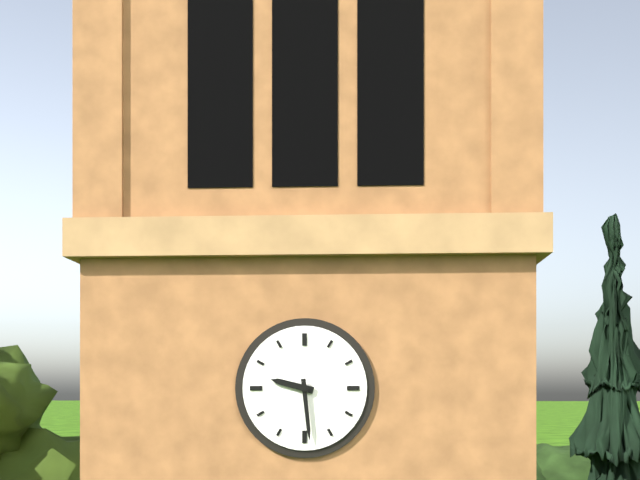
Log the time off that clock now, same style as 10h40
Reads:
9h29
